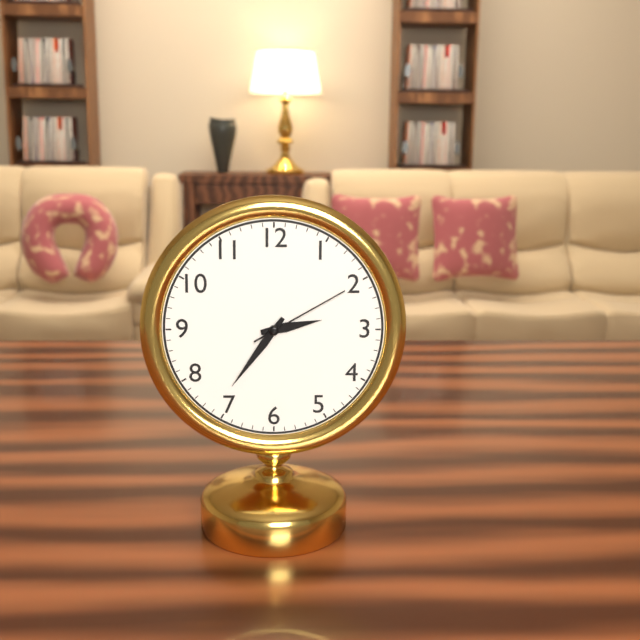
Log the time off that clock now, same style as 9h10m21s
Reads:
2h36m10s
